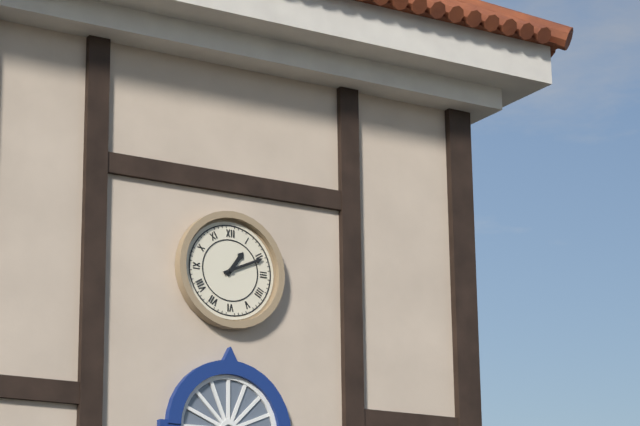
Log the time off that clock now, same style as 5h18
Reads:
1h11
